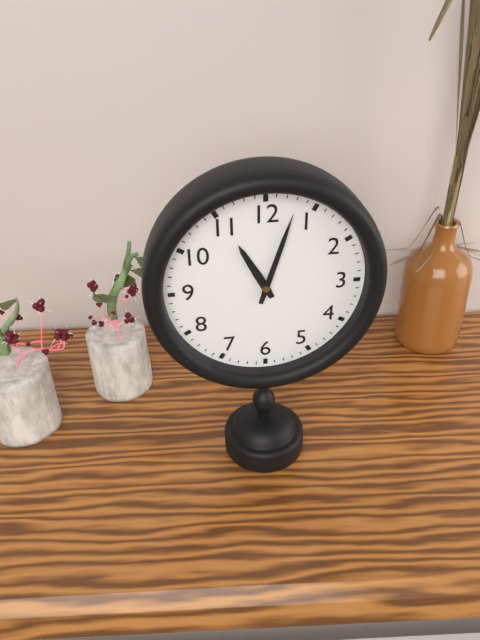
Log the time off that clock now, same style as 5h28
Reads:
11h03
